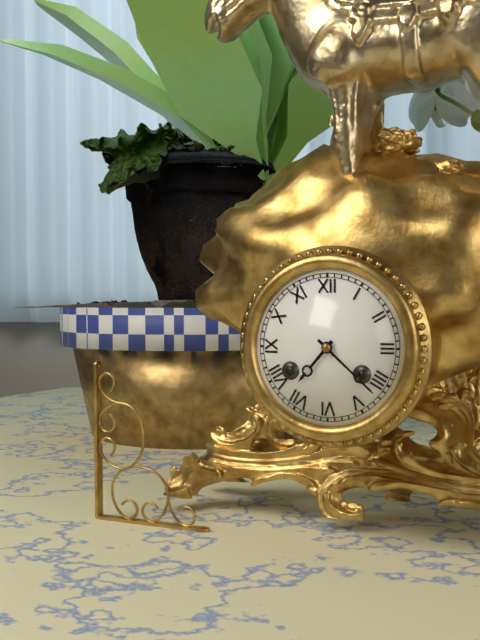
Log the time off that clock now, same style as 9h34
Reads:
7h22
